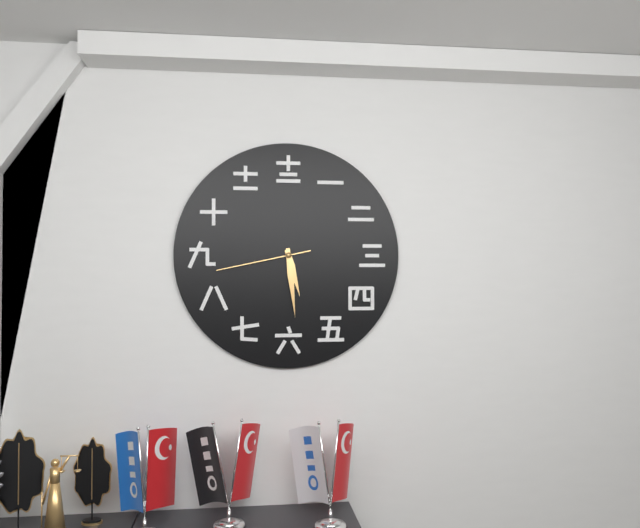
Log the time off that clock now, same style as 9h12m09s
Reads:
5h29m43s
